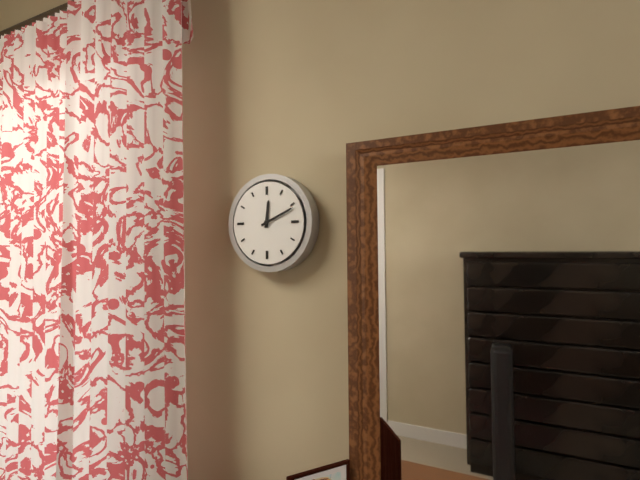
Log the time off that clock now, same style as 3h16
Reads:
12h11
